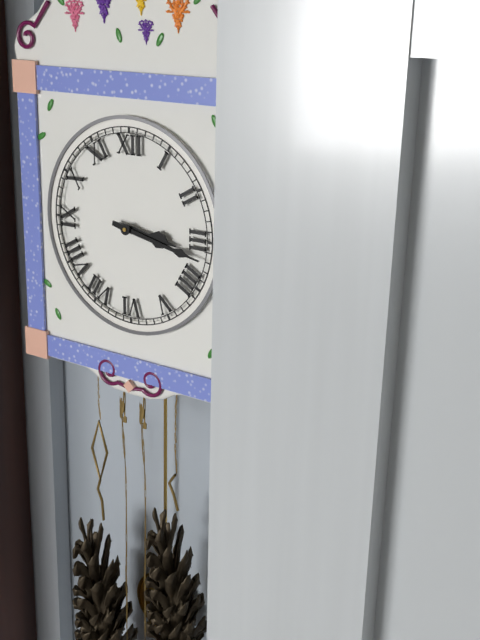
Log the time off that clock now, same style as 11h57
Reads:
3h17
